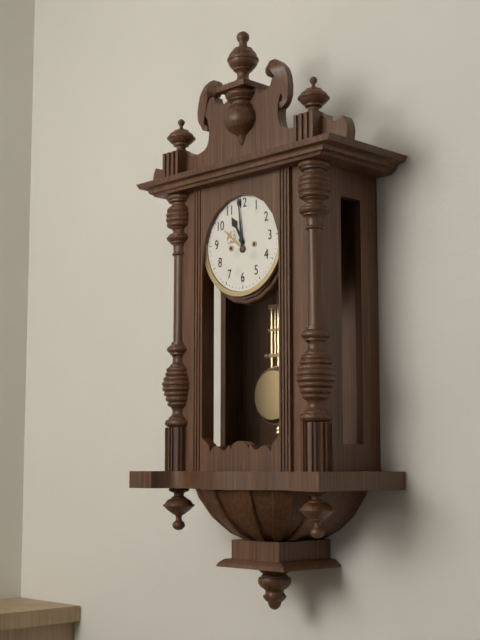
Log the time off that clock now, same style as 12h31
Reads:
10h59
